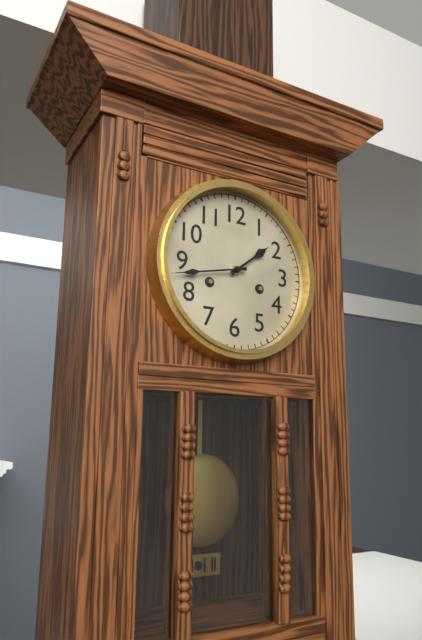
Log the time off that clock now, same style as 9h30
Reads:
1h43
